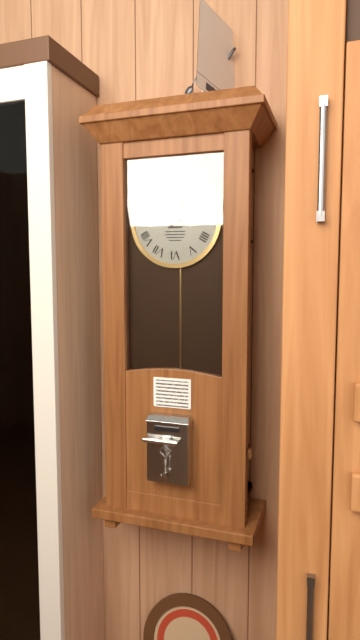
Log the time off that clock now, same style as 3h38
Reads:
12h48
